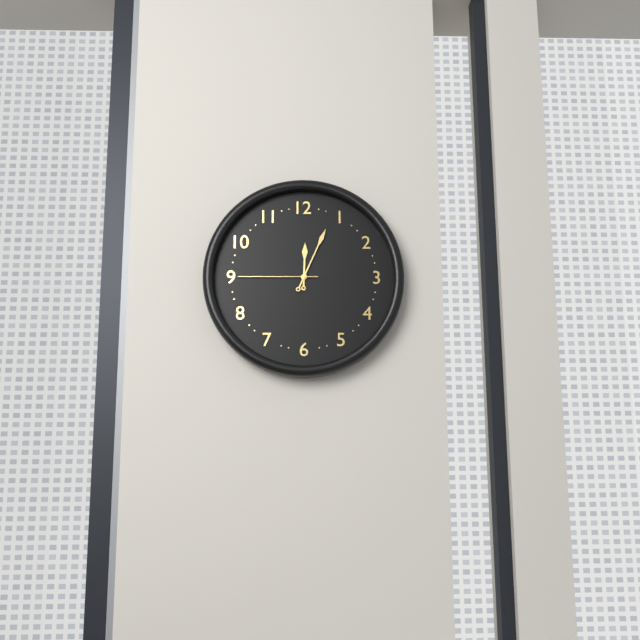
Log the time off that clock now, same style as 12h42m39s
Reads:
12h04m45s
